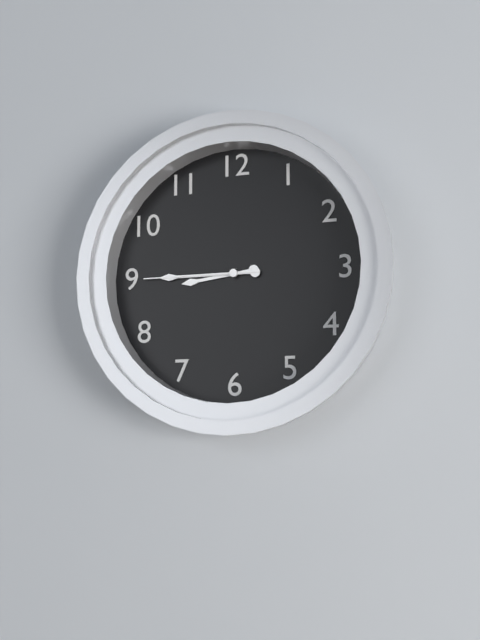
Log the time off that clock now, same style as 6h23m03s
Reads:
8h45m45s
